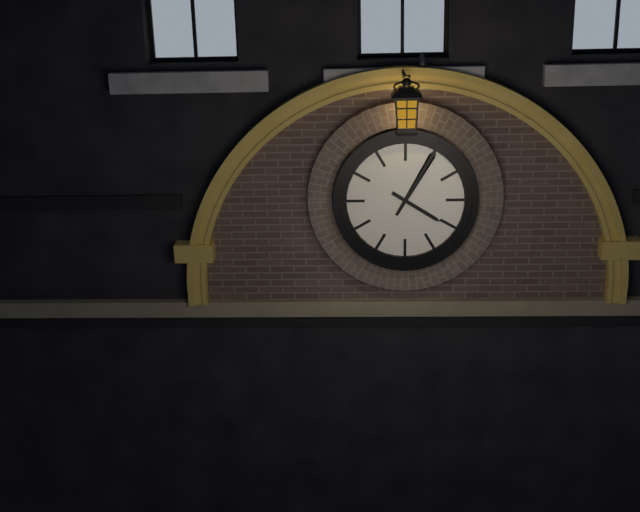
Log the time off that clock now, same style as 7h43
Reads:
4h05
